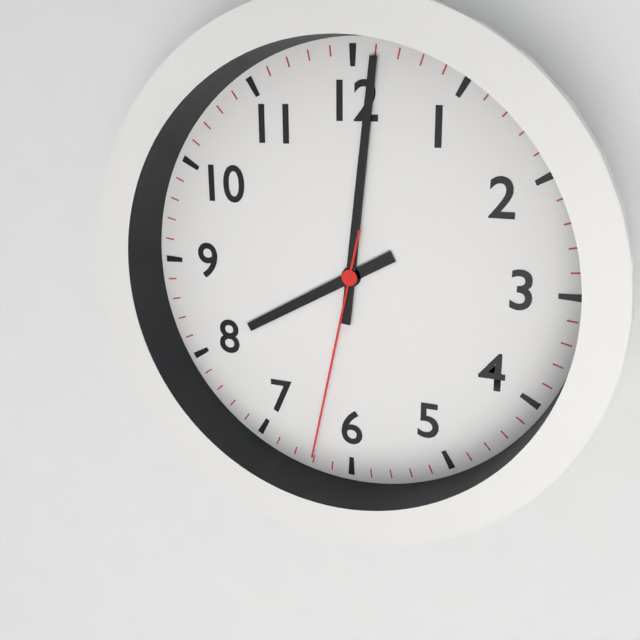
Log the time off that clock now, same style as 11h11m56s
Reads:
8h01m32s
